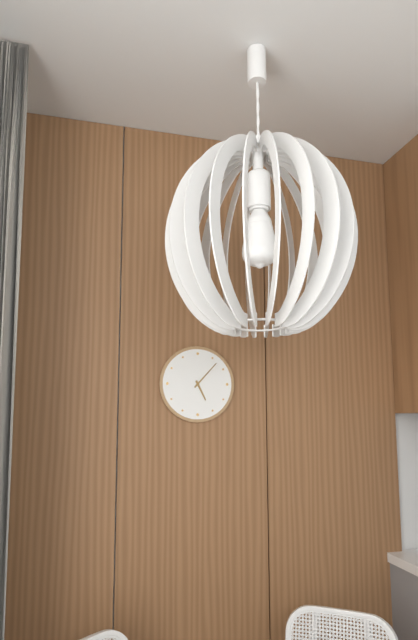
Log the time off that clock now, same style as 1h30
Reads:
5h07
